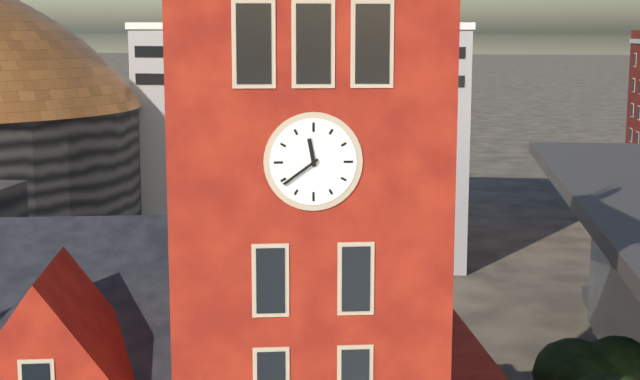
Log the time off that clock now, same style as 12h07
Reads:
11h39
